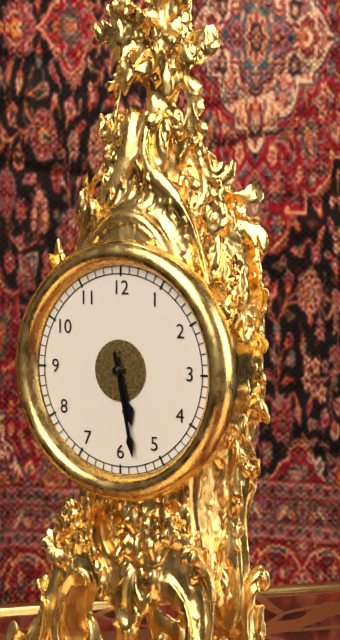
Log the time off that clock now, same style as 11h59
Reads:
5h28
